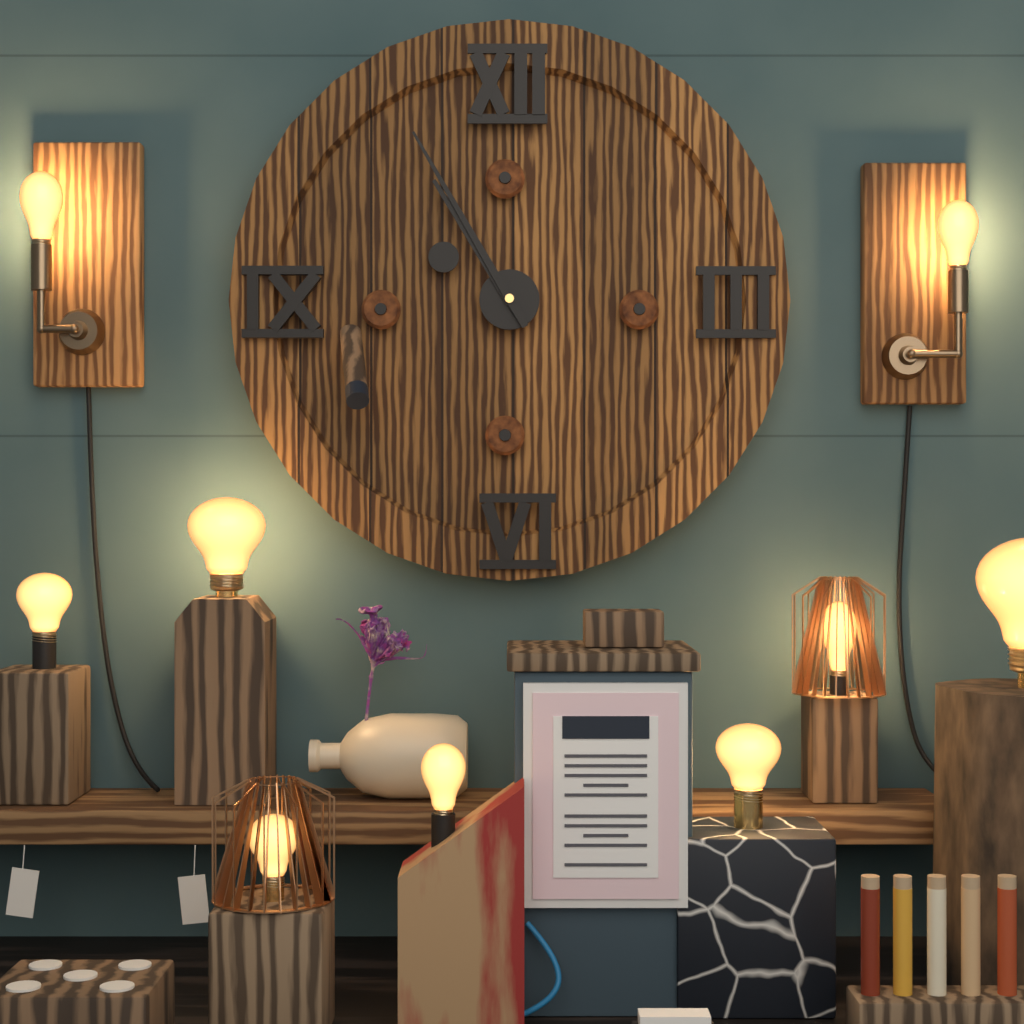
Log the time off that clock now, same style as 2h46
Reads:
10h55
